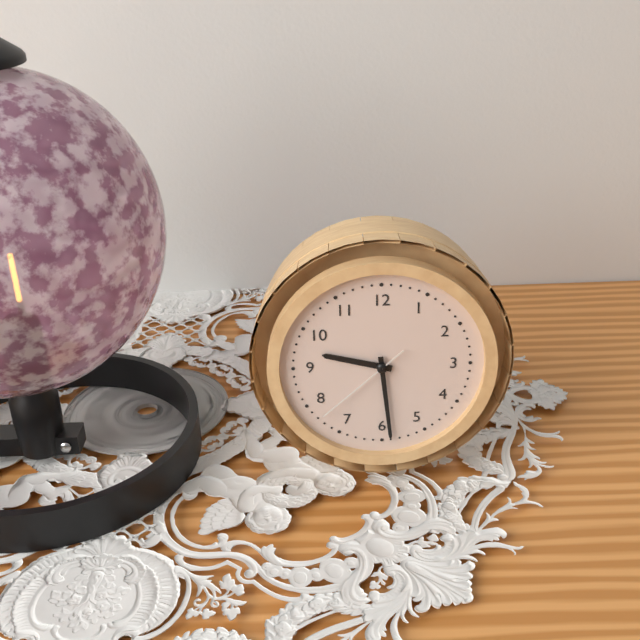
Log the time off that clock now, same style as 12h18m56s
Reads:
9h29m38s
